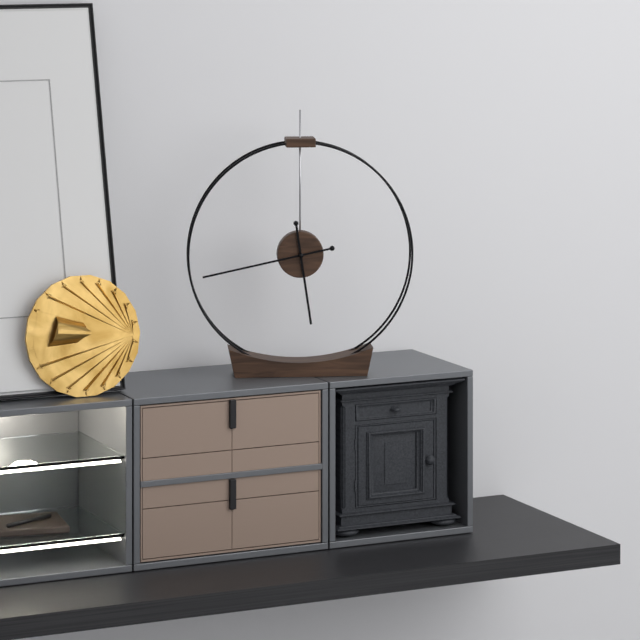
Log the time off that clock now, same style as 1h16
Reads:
5h43
